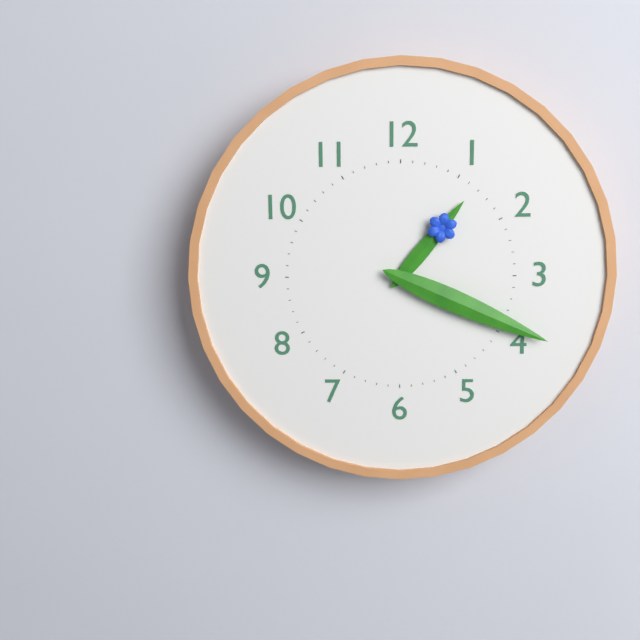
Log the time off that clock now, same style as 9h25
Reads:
1h19
